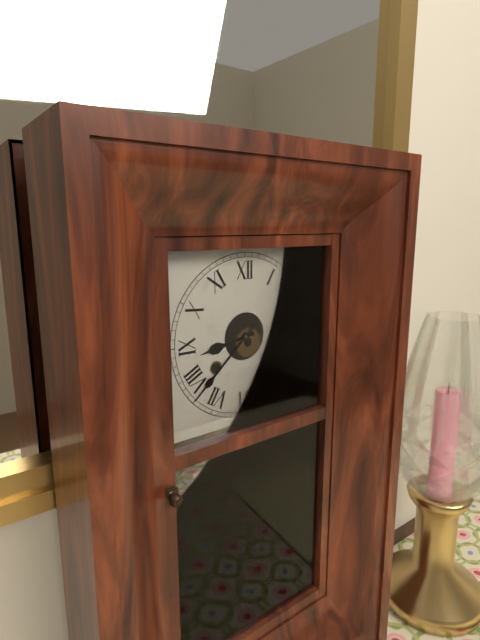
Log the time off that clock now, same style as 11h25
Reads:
8h38
